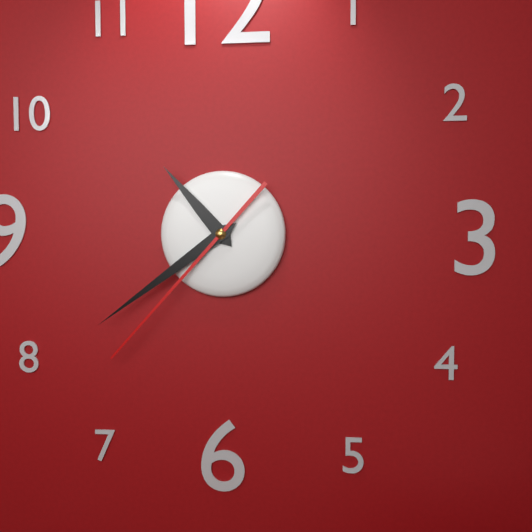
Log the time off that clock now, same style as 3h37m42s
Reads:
10h39m37s
